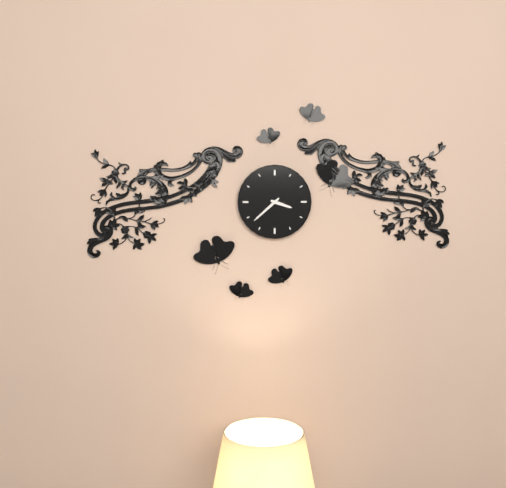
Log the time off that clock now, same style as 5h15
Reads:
3h38
